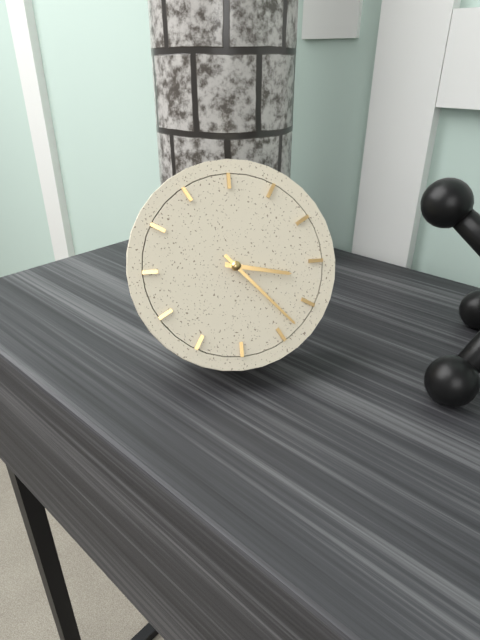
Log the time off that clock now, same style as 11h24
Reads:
3h23
